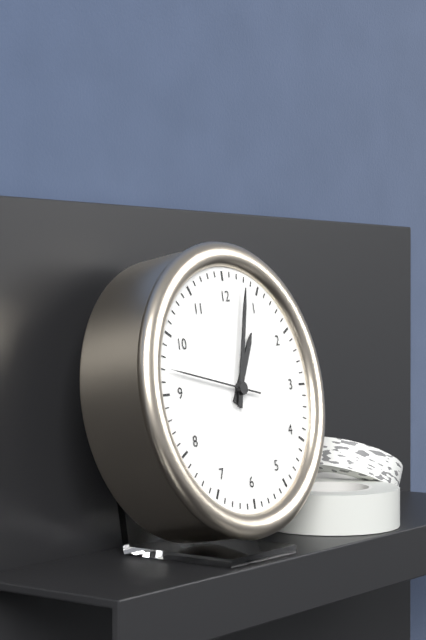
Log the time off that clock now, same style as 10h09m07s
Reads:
1h03m47s
